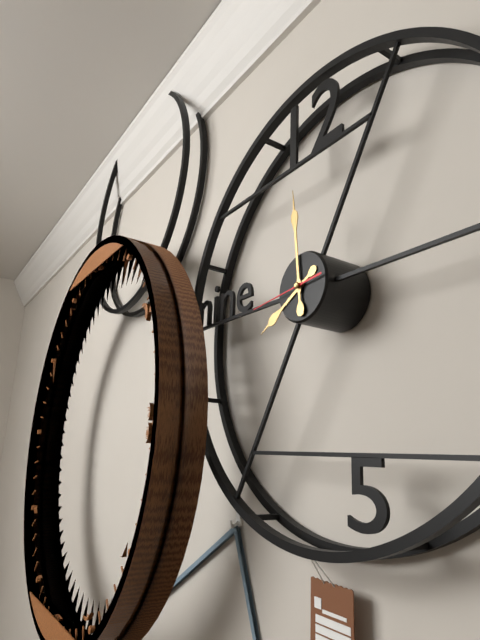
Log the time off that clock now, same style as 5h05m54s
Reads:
7h59m44s
